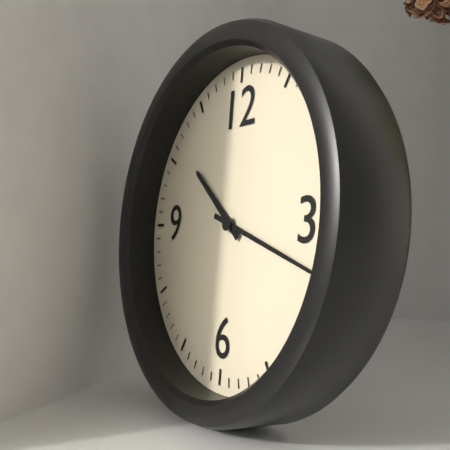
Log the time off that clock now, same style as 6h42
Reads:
10h18
